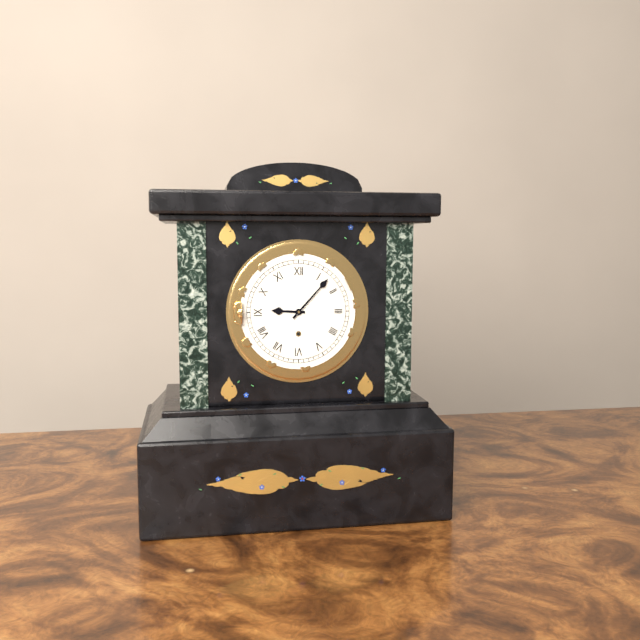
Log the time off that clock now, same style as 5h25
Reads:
9h07
